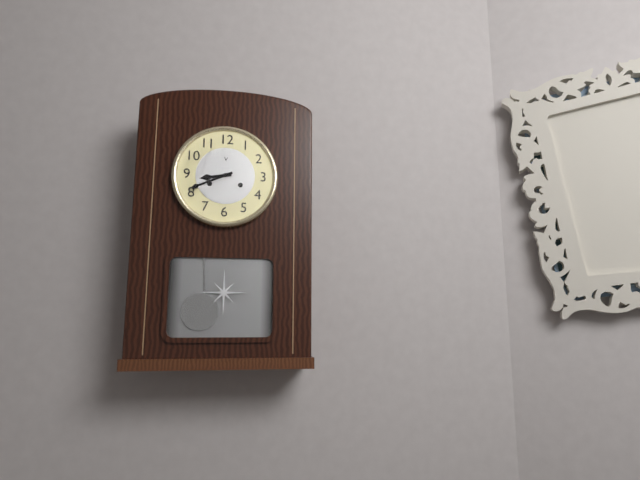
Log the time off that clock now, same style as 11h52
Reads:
8h41
